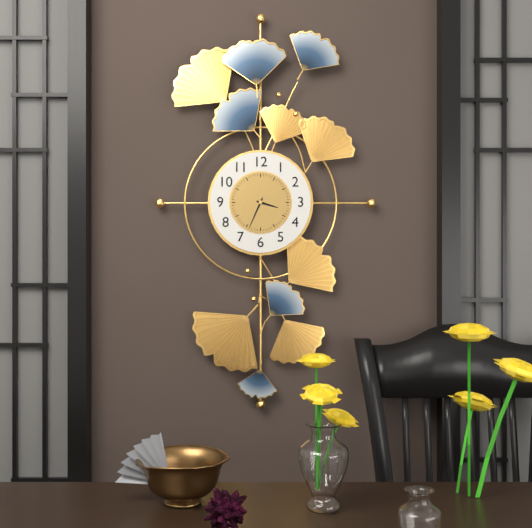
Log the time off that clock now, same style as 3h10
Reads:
3h34
